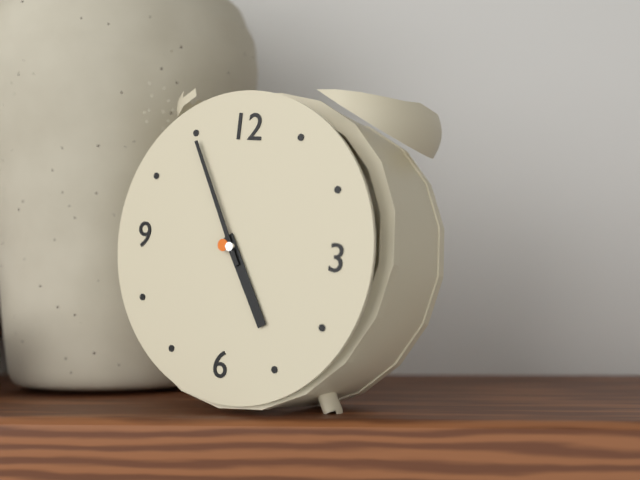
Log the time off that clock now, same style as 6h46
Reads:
4h55
